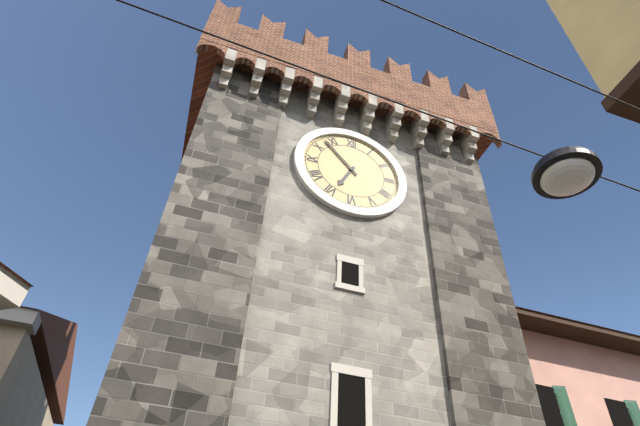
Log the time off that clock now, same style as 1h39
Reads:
6h53
